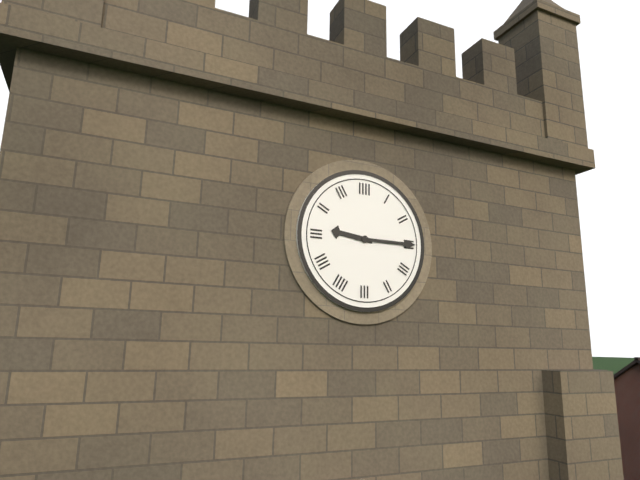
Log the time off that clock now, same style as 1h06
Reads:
9h15
